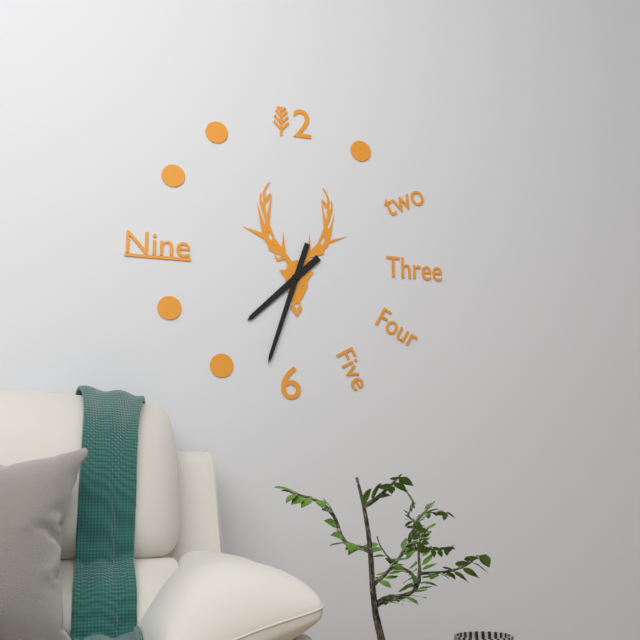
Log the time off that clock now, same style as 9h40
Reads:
7h33
